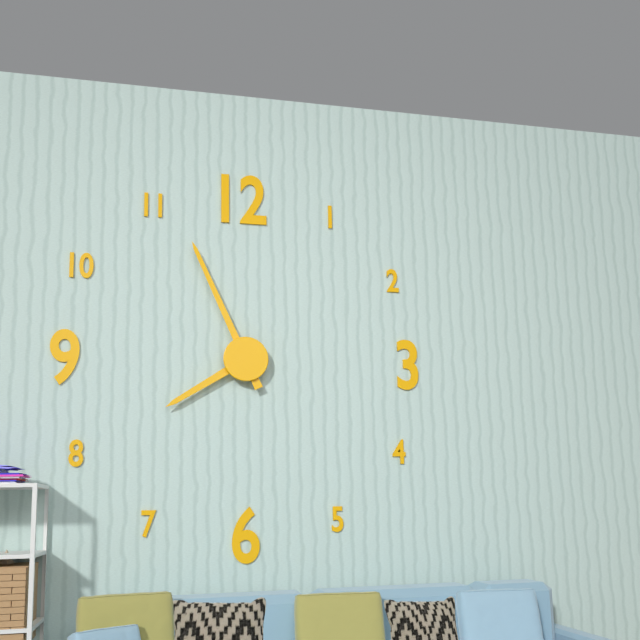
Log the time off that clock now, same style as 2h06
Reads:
7h56
